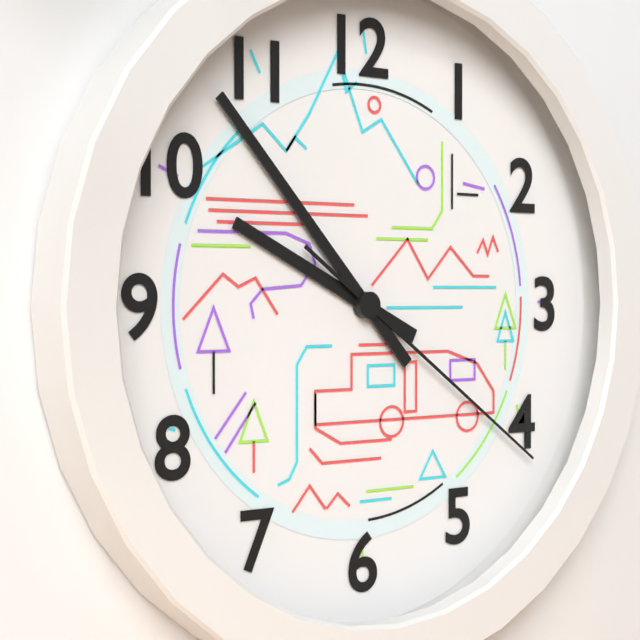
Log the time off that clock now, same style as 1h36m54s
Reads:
9h53m21s
